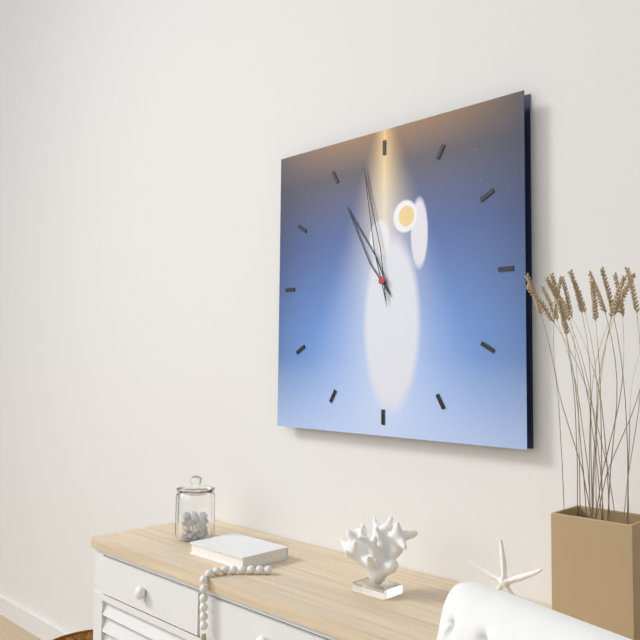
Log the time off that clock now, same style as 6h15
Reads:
10h58
